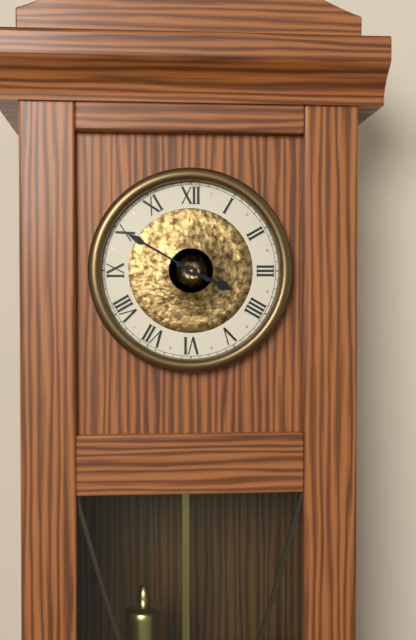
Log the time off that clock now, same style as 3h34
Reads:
3h50
